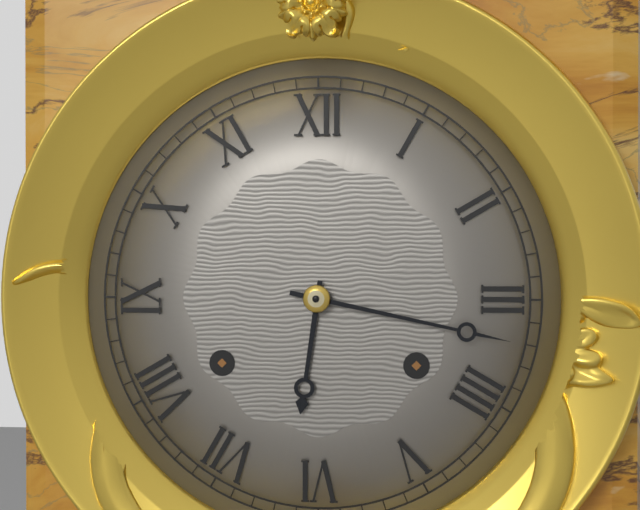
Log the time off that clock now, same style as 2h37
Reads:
6h17
